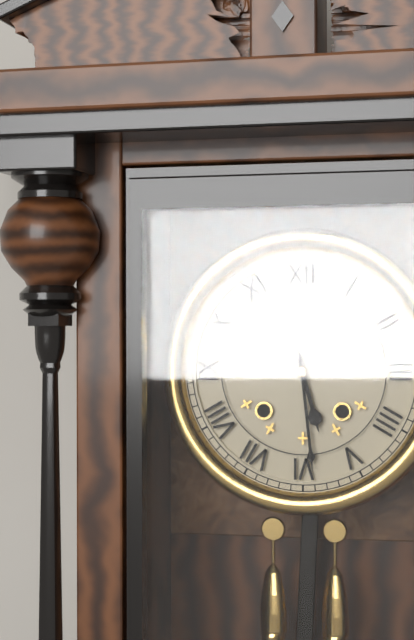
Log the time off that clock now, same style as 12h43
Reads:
5h29
